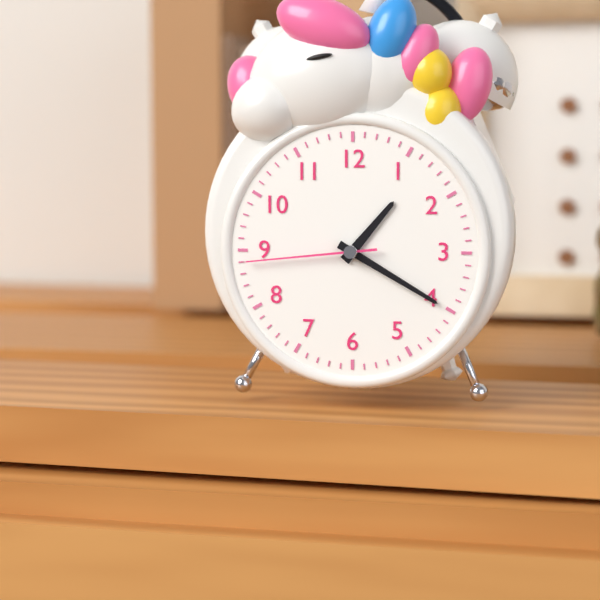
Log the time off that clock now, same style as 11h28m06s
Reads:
1h20m44s
